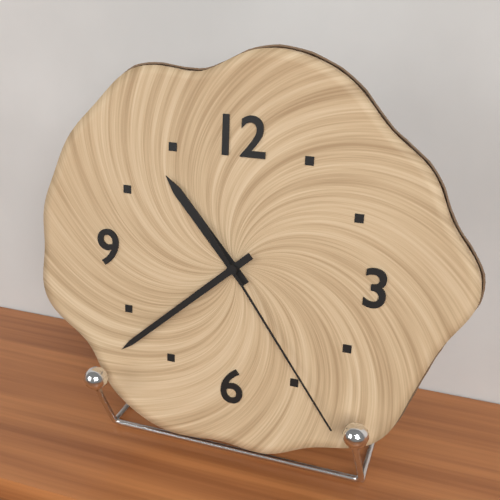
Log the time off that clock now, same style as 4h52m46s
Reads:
10h38m24s
